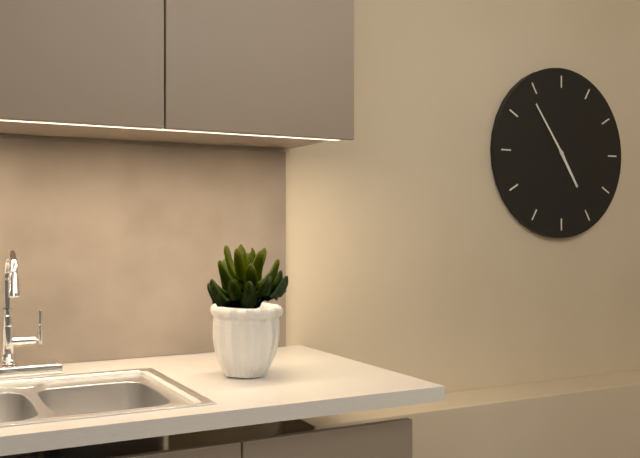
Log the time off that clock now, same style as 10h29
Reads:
4h54
